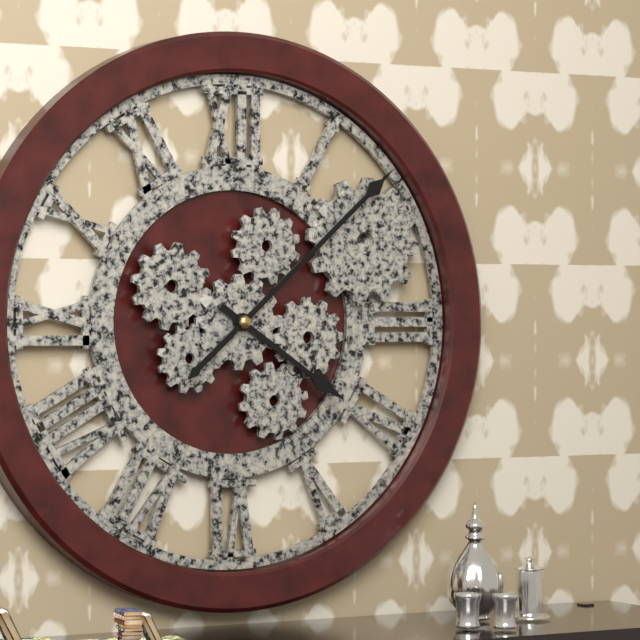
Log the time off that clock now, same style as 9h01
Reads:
4h08
